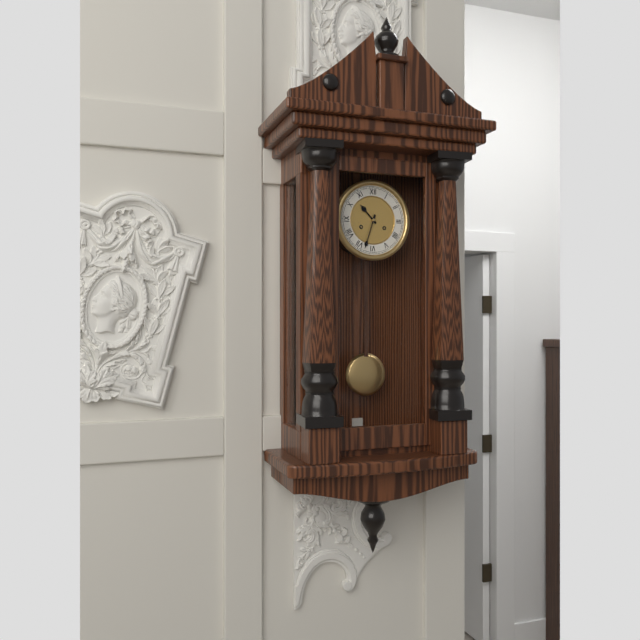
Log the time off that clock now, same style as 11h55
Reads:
10h33
